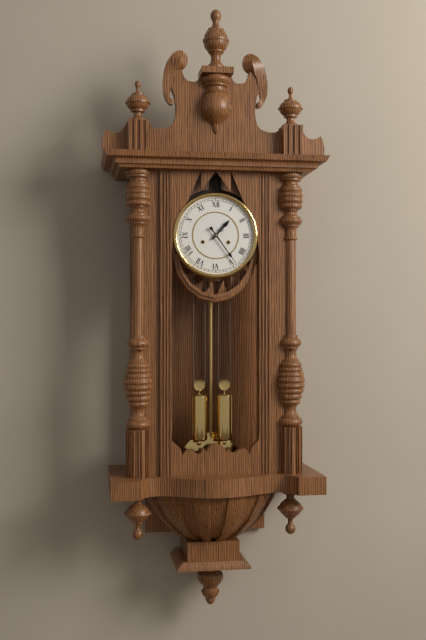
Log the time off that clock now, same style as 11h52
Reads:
1h24
